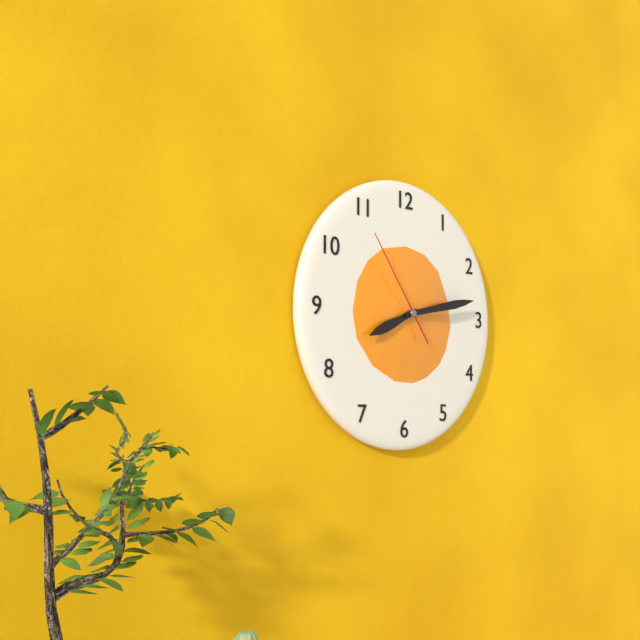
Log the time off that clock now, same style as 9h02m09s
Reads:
8h13m54s
